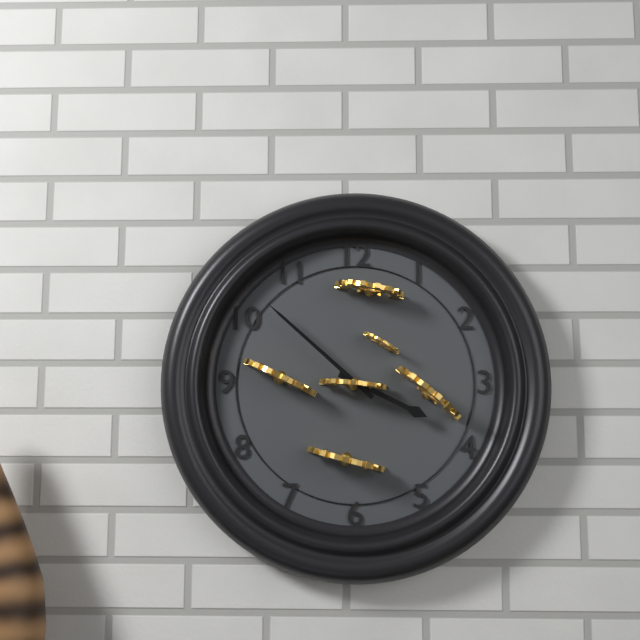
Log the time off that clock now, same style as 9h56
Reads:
3h52
